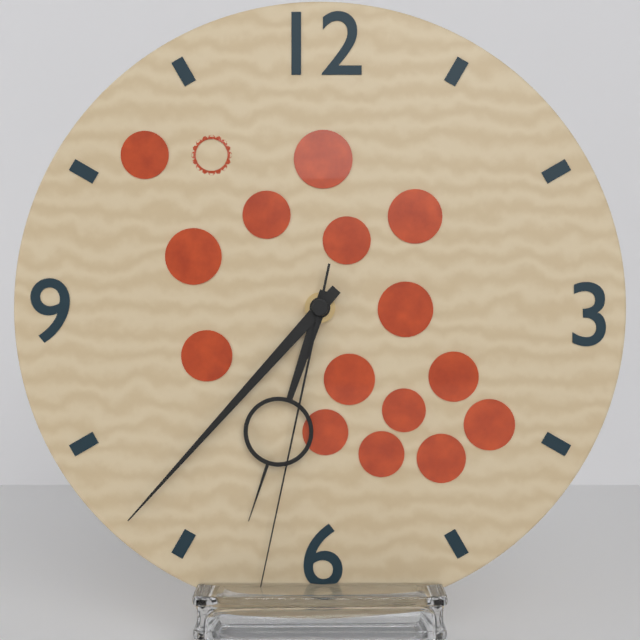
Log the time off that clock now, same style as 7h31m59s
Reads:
6h37m32s
